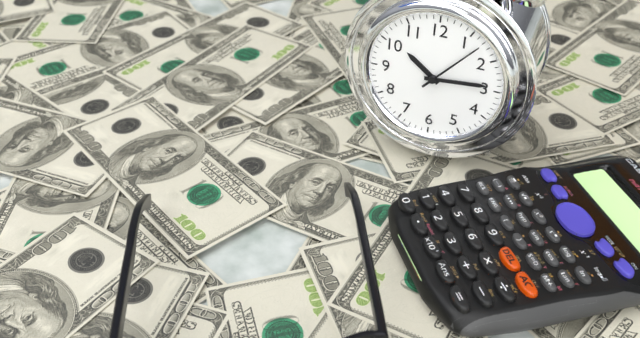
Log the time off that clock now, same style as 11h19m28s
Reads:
10h14m07s
